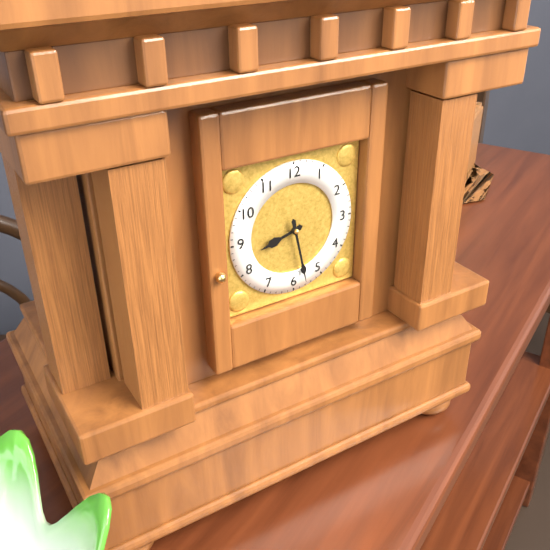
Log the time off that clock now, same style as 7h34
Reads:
8h28
